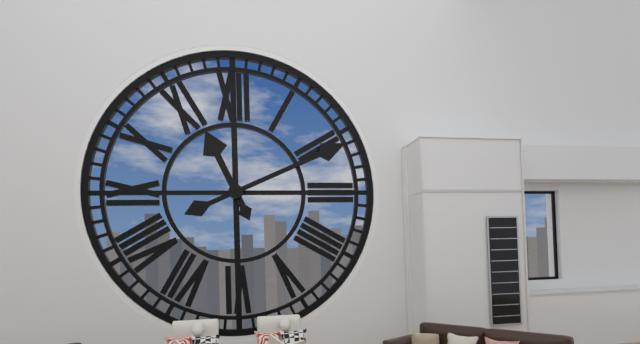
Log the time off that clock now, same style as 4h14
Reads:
11h11
